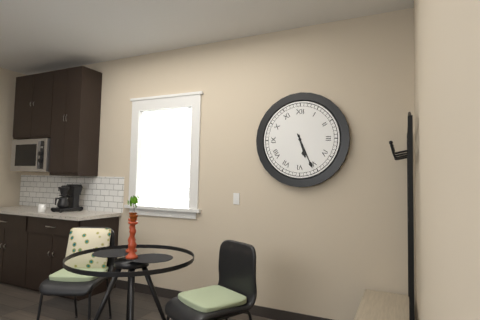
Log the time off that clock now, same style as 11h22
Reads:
5h26
